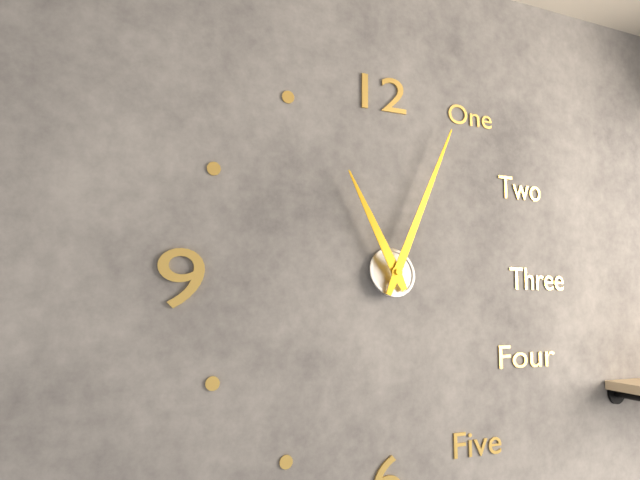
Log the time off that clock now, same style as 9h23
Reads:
11h04
